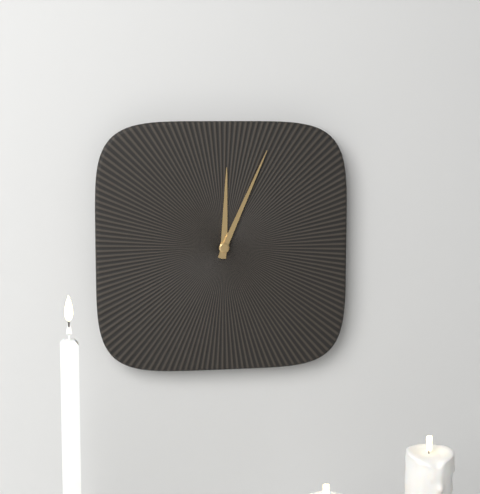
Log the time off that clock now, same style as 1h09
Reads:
12h04
